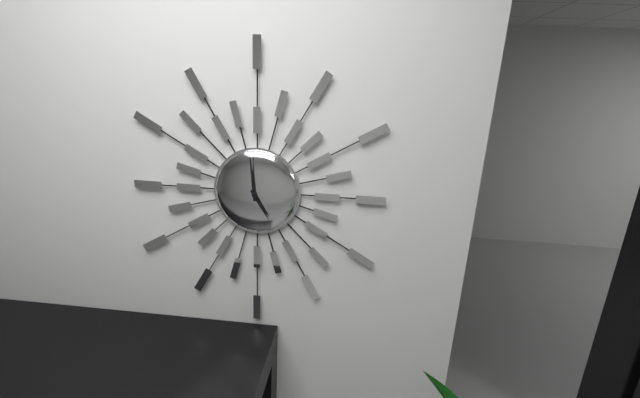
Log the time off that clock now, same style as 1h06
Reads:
4h59
